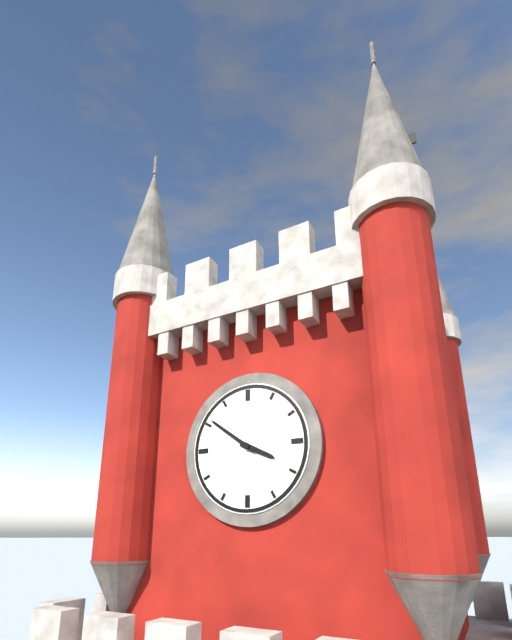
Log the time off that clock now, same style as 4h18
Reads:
3h51
